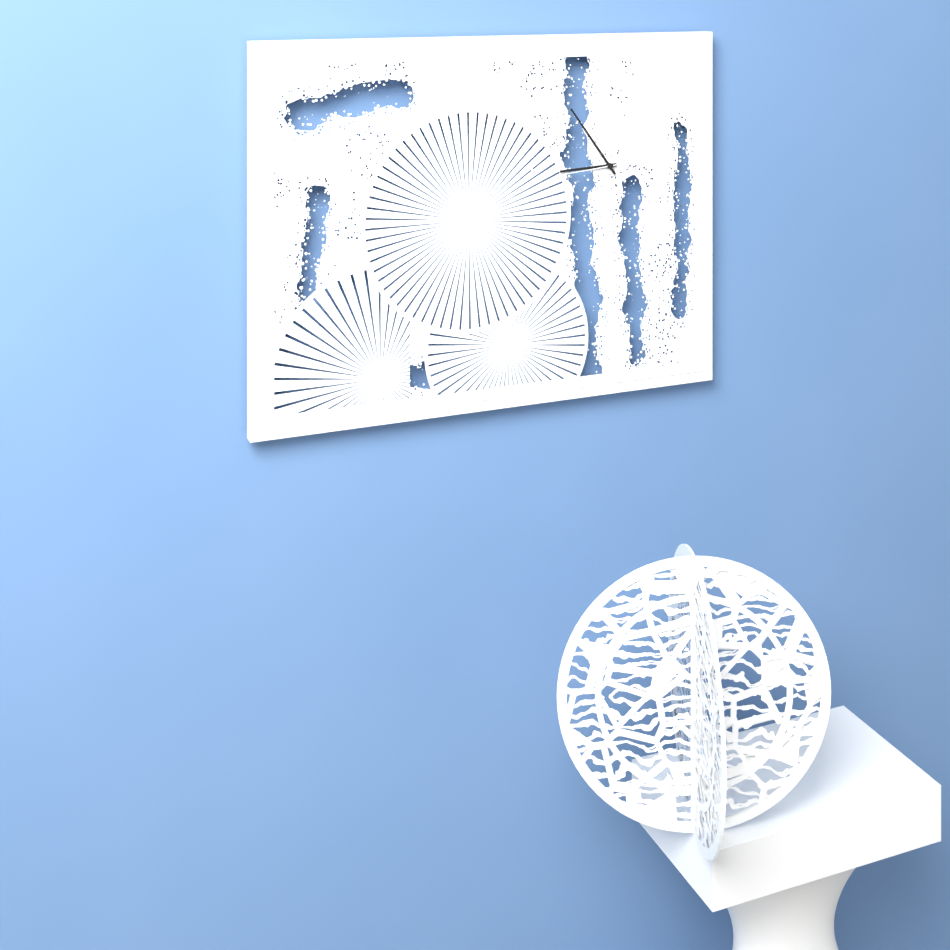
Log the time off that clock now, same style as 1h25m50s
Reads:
8h54m44s
